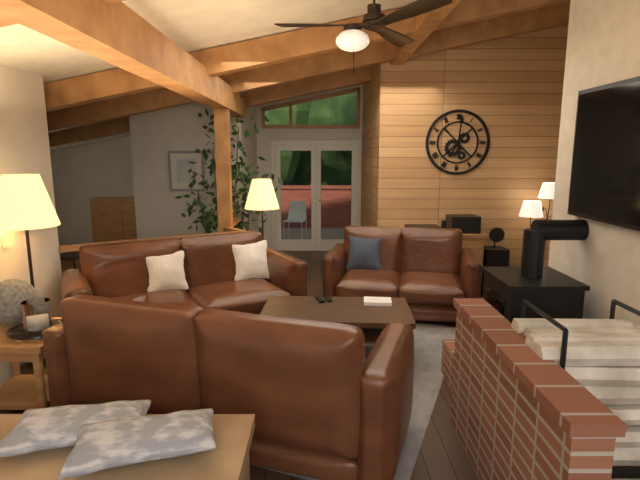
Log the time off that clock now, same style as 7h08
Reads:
7h01
